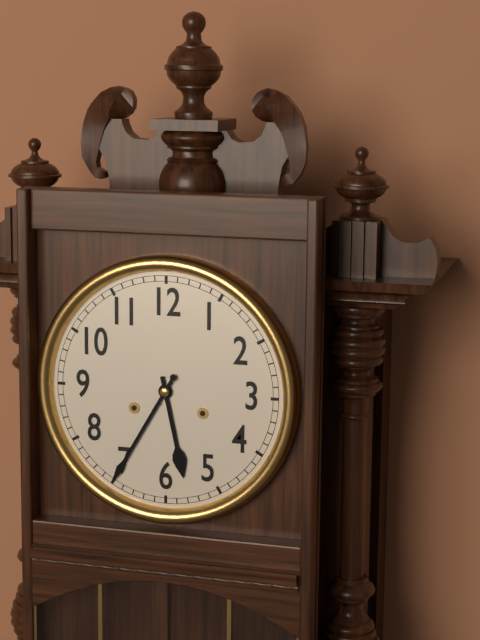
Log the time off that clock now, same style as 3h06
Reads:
5h35
